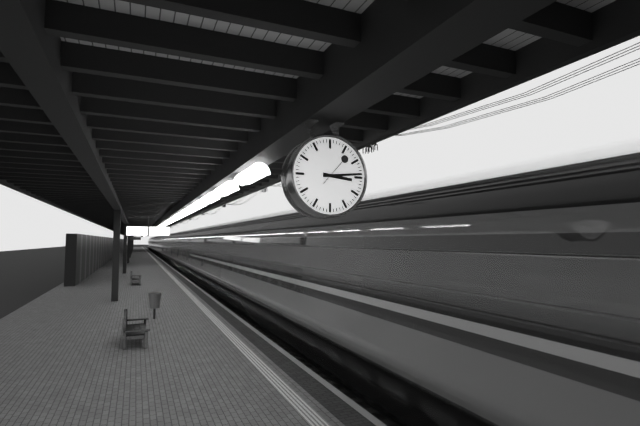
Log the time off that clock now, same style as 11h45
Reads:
3h14
